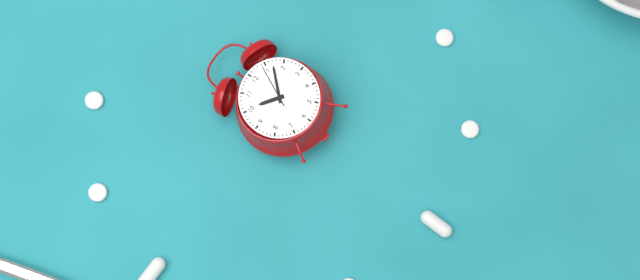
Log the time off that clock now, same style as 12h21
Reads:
10h07
